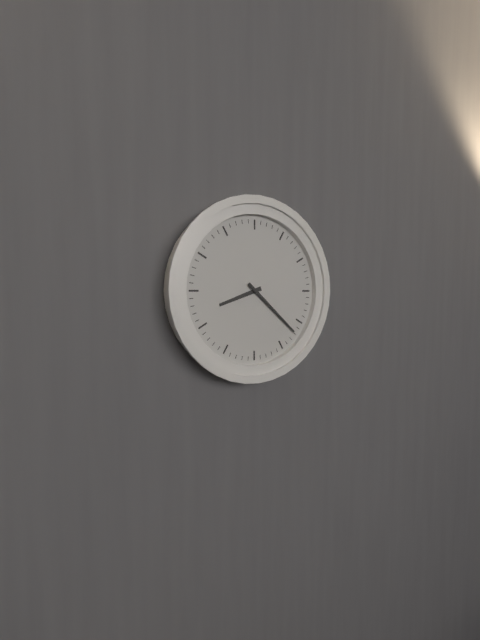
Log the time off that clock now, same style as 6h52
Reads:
8h22
